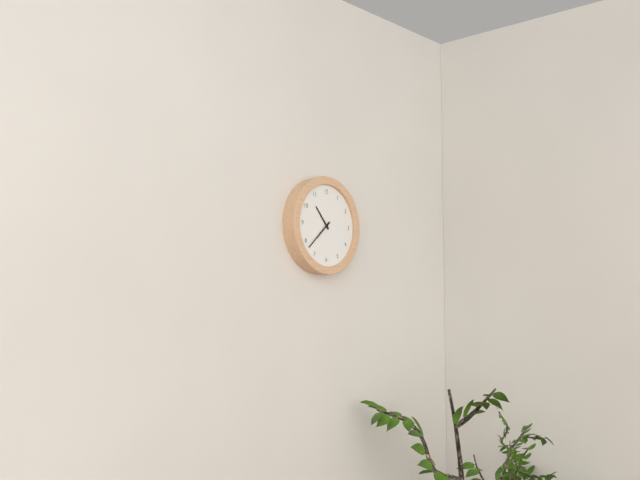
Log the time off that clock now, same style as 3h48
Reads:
10h38
